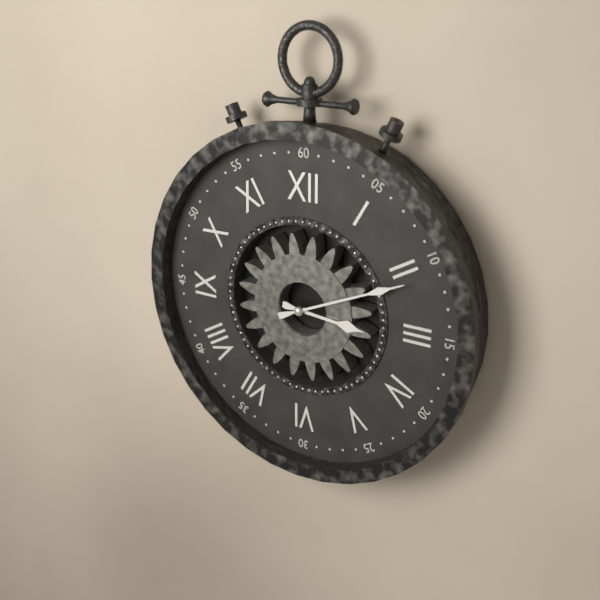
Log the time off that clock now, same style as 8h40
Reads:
3h11
